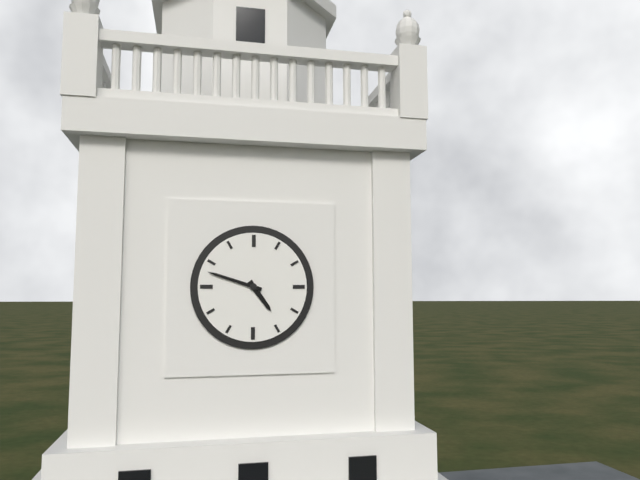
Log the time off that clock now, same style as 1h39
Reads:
4h48
